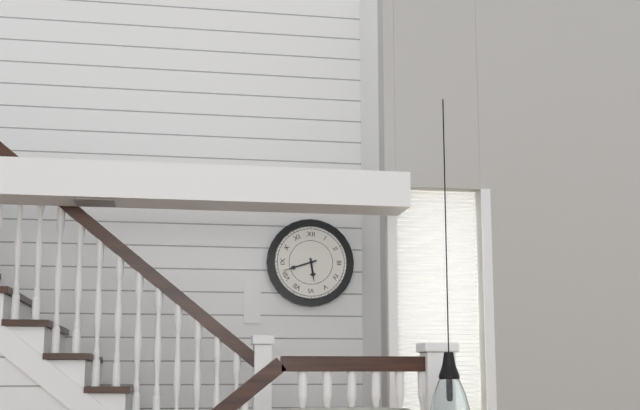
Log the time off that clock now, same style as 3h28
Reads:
5h42
